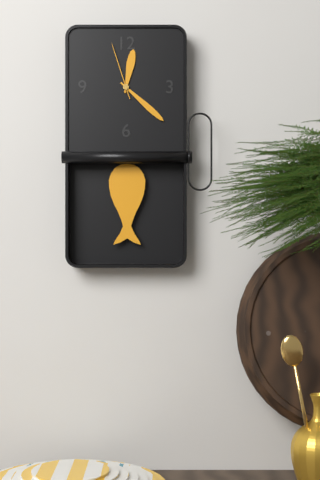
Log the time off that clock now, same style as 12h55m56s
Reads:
12h22m57s
